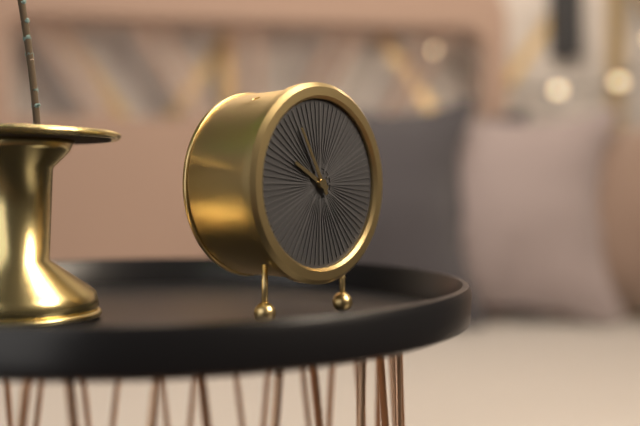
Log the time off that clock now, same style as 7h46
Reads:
9h55
